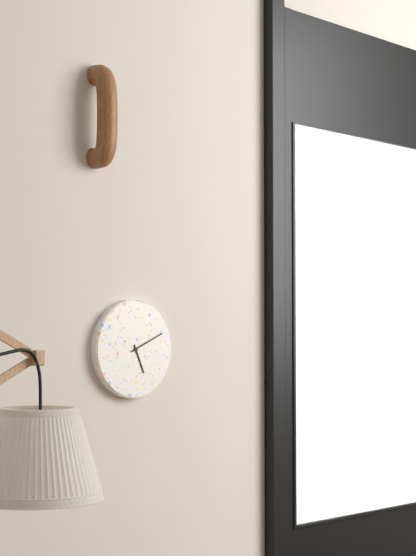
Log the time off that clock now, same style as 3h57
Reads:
5h11
